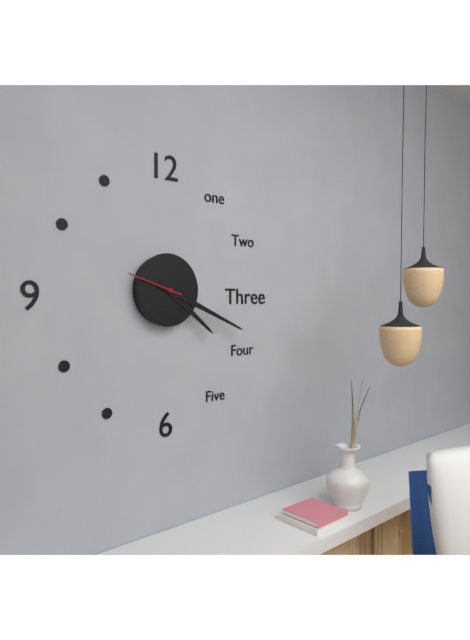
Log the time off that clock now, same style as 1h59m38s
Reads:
4h19m48s
